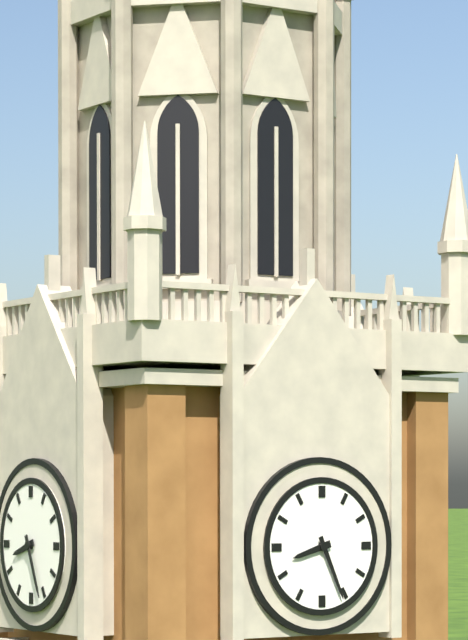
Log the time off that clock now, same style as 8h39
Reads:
8h26
